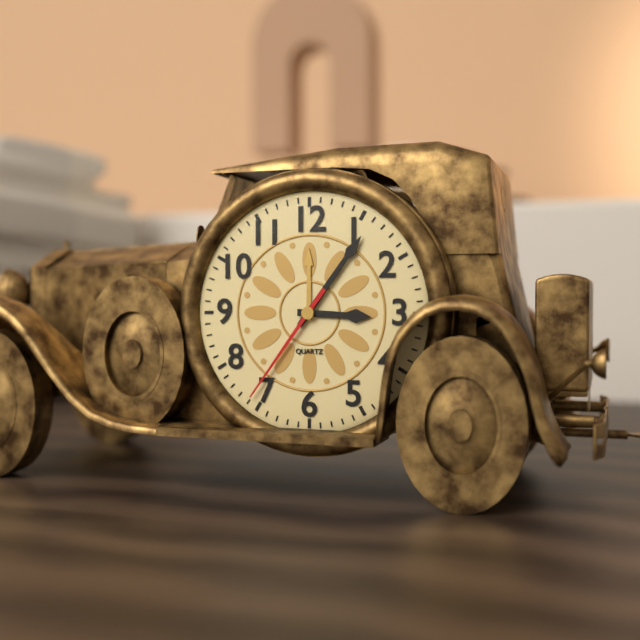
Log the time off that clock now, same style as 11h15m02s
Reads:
3h06m36s
